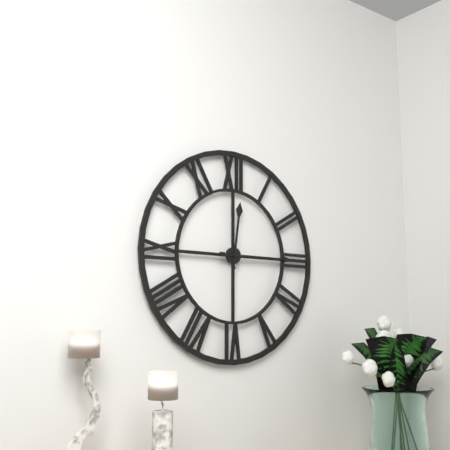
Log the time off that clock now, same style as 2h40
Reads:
12h15
